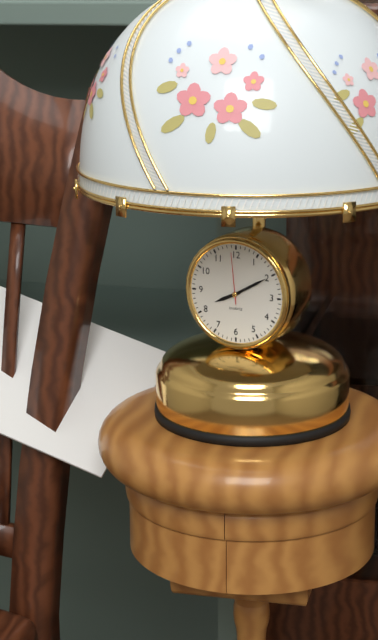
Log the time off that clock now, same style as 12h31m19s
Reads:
8h10m59s
